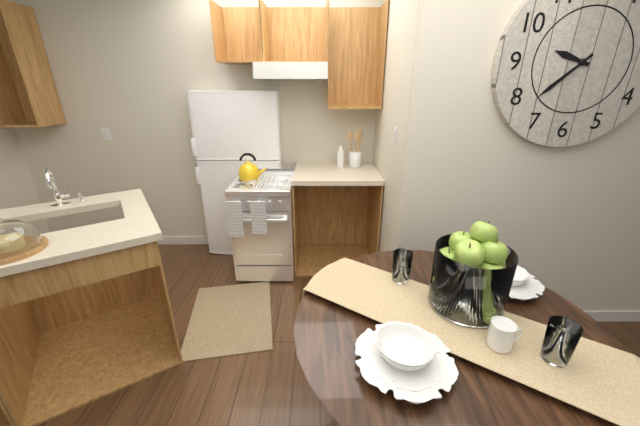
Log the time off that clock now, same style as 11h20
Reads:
9h38
